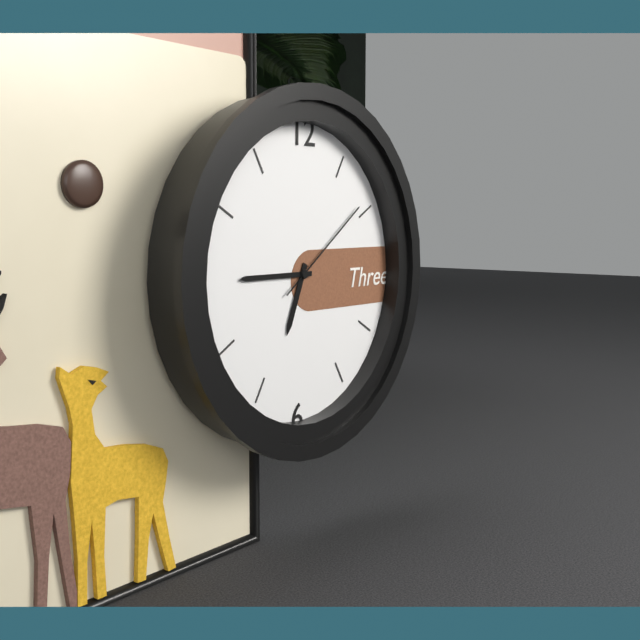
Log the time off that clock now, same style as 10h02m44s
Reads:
6h45m09s
